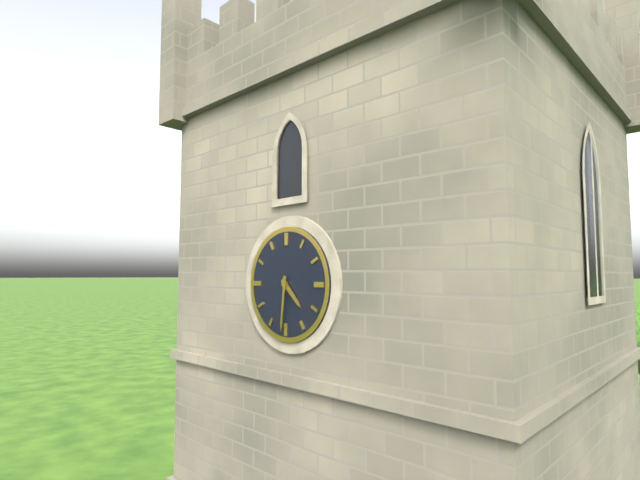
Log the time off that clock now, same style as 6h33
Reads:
4h31
